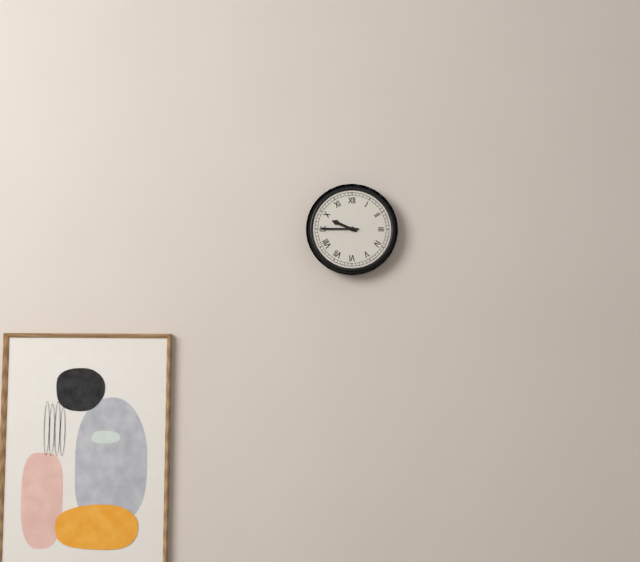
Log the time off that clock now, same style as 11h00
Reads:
9h45
